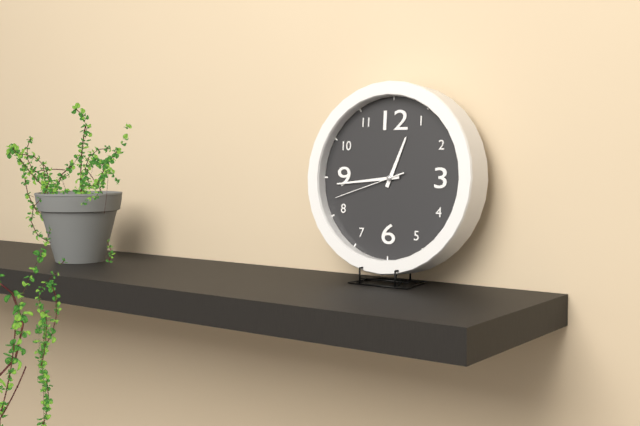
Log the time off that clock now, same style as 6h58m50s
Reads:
12h44m42s
